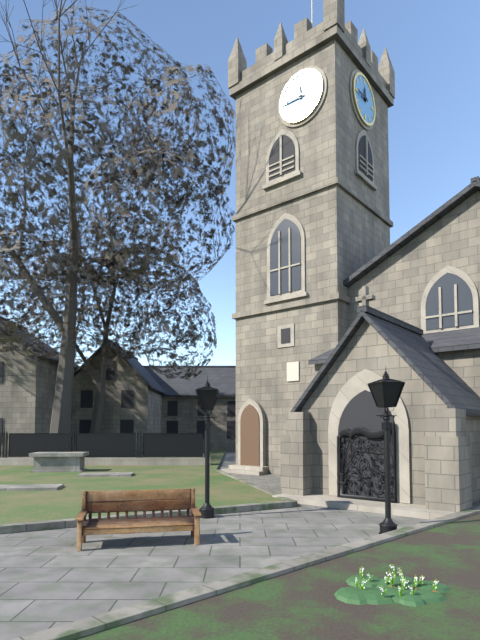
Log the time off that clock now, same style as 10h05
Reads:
11h45
